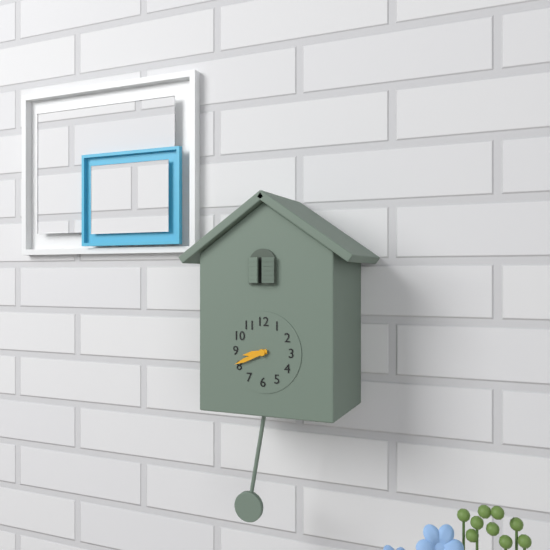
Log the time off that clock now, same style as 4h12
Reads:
8h41
